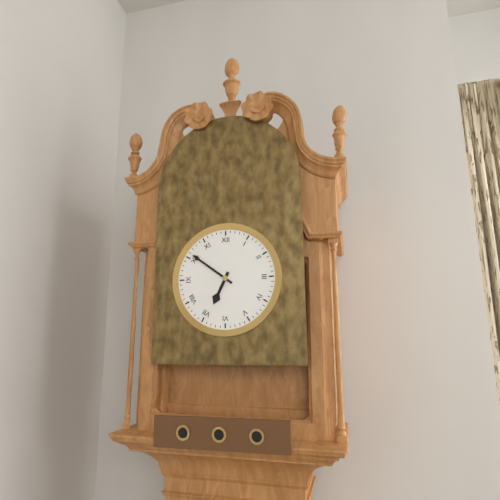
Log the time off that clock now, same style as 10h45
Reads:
6h51
